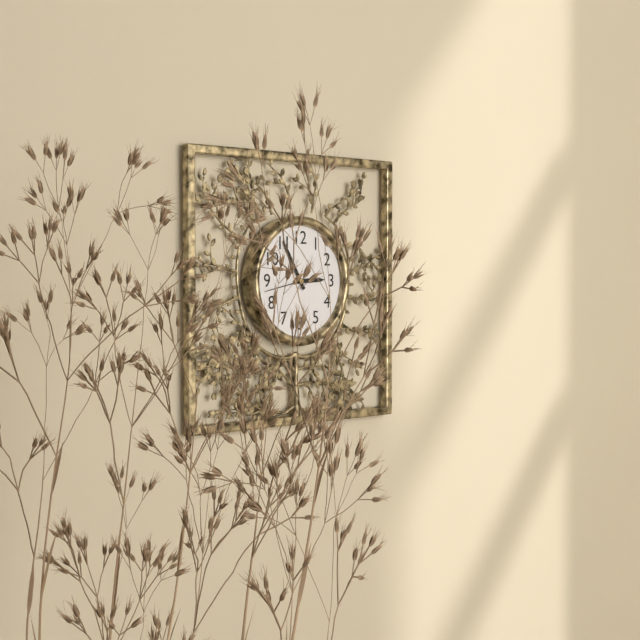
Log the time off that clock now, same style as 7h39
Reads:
2h55
